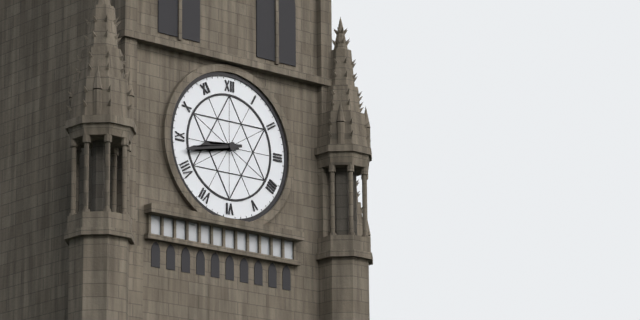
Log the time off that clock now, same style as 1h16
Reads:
8h43
